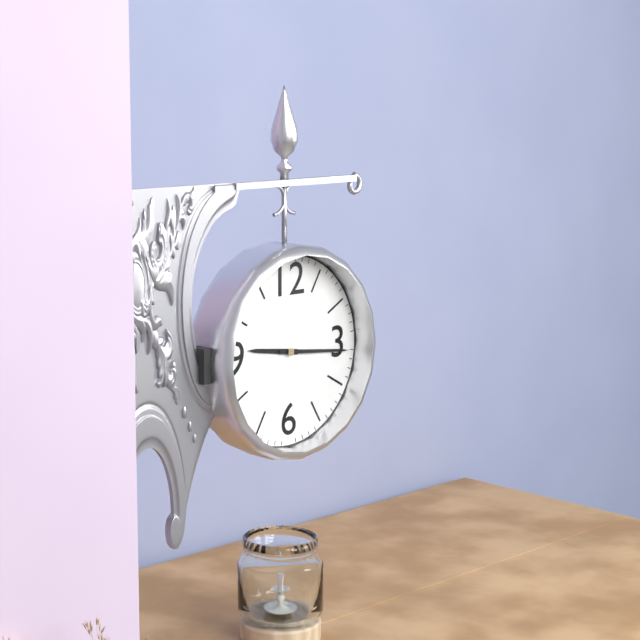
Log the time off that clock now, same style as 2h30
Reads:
9h16
